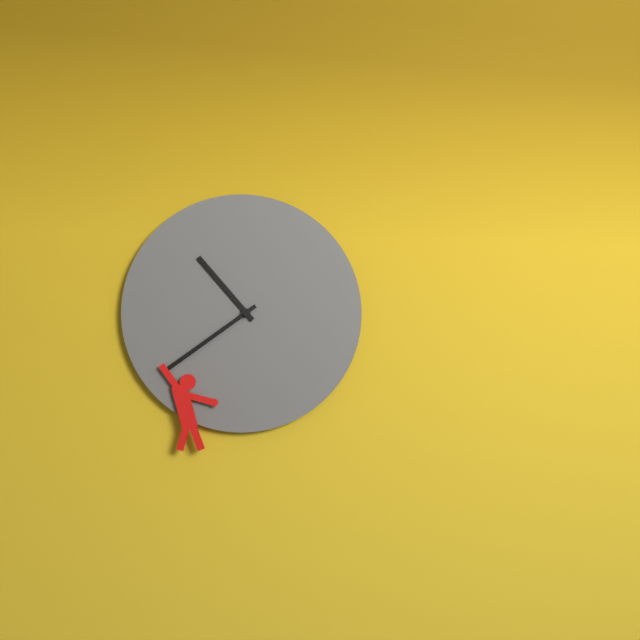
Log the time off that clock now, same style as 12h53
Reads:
10h39
